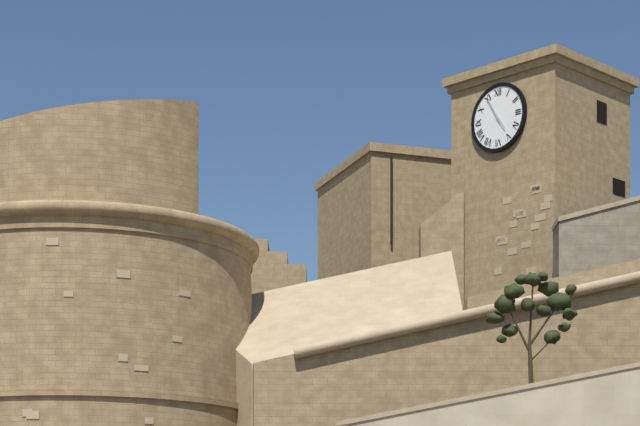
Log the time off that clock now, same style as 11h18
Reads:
4h55
